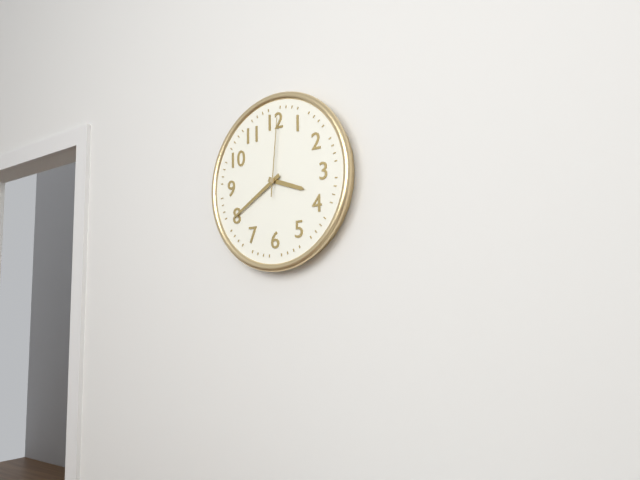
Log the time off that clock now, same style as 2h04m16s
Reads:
3h40m01s
